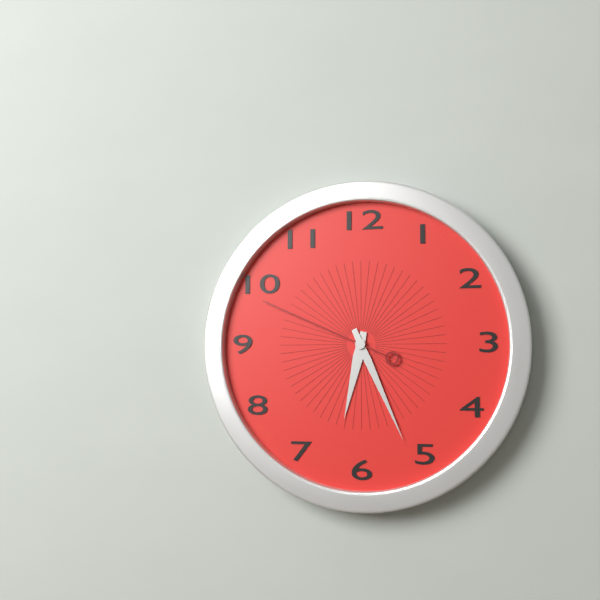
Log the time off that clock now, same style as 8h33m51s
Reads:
6h26m49s
